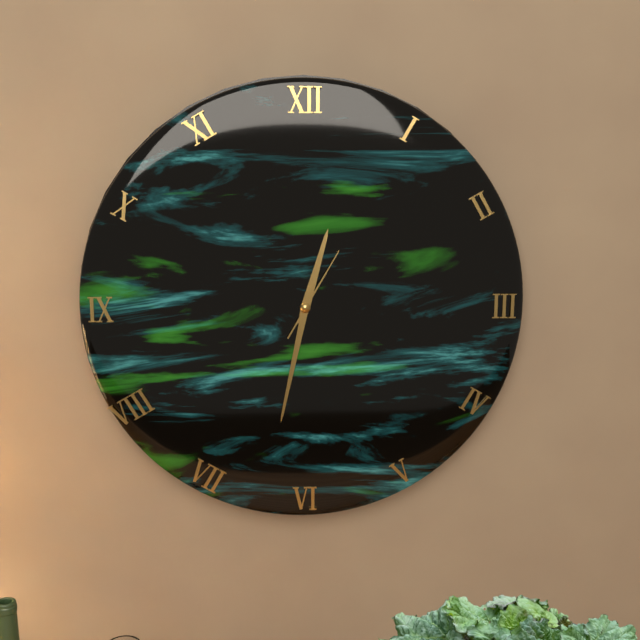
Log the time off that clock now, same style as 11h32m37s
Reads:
12h32m05s
